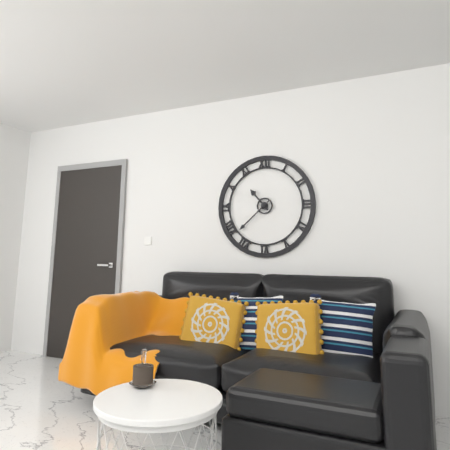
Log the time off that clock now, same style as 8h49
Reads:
10h38
